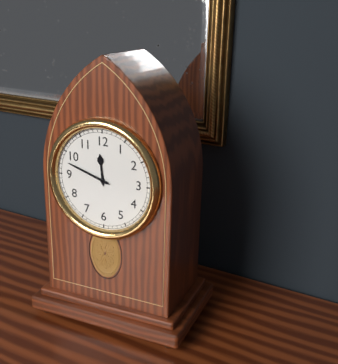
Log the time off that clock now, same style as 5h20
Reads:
11h48
